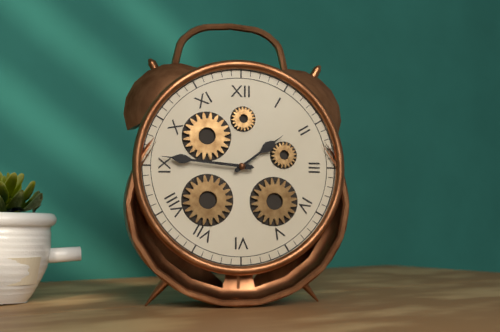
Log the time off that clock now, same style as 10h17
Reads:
1h46
